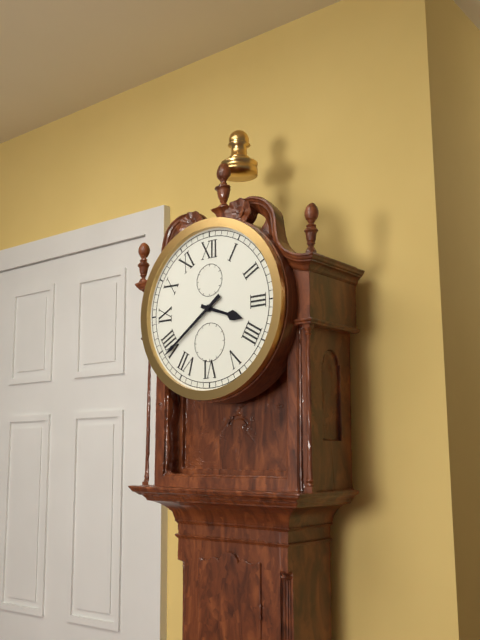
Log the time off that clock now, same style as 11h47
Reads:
3h39
